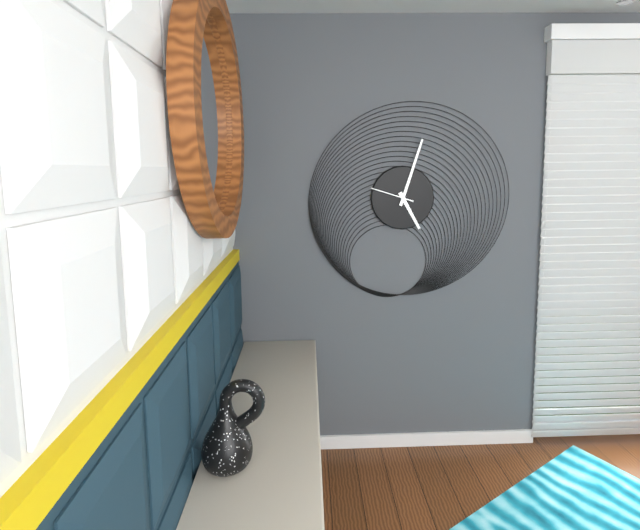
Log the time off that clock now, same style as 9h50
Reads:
5h03
